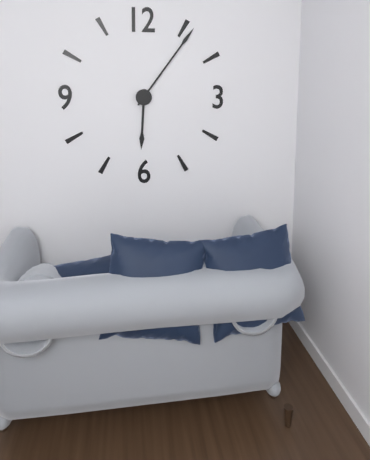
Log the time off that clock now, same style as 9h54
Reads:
6h06
